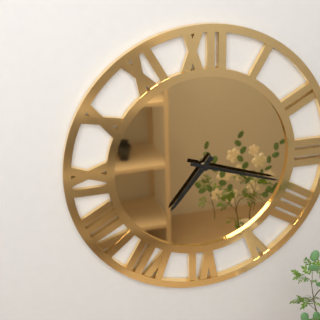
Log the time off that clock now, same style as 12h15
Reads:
7h18
